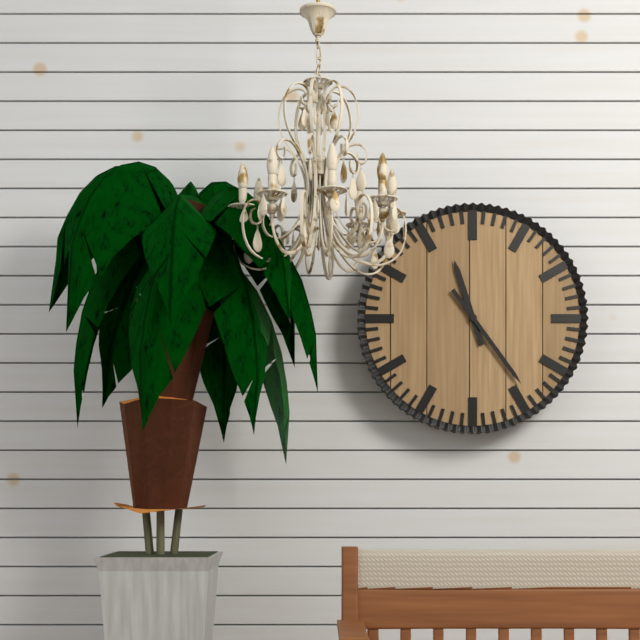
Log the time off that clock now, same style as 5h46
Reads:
11h24
